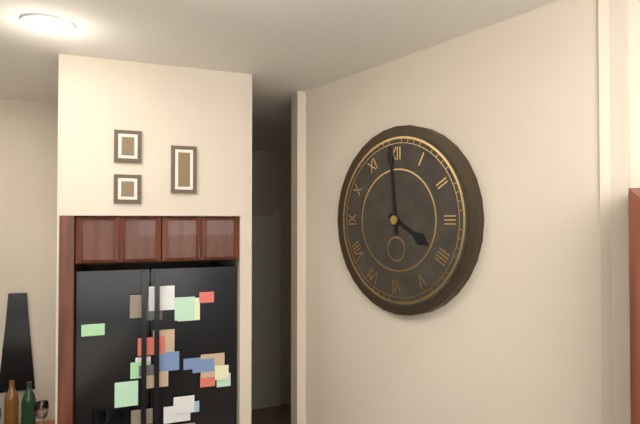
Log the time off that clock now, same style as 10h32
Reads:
3h59
